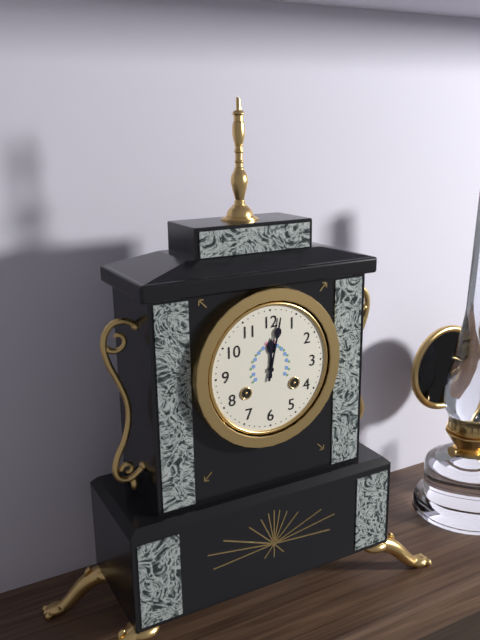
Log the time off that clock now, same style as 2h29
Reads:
12h02
